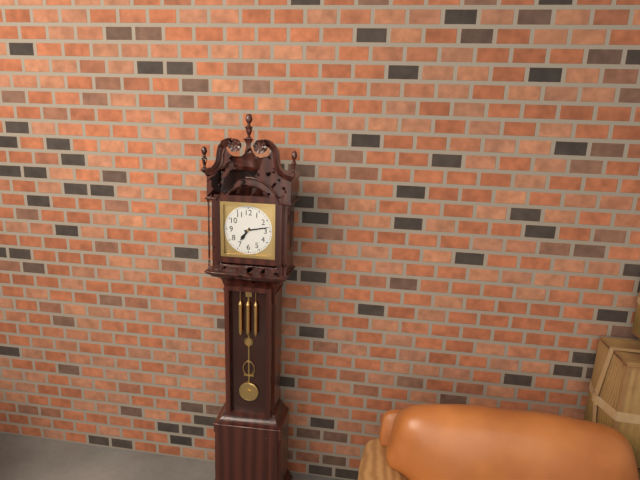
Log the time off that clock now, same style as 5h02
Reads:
7h13
